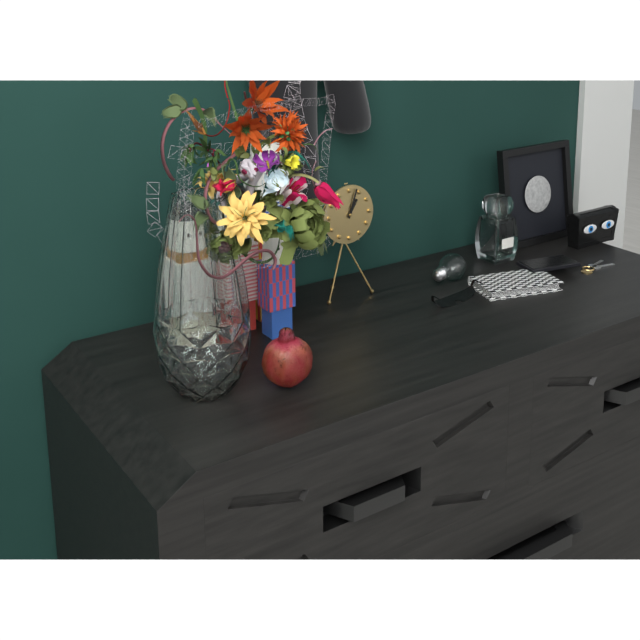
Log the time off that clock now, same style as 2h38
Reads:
1h03
